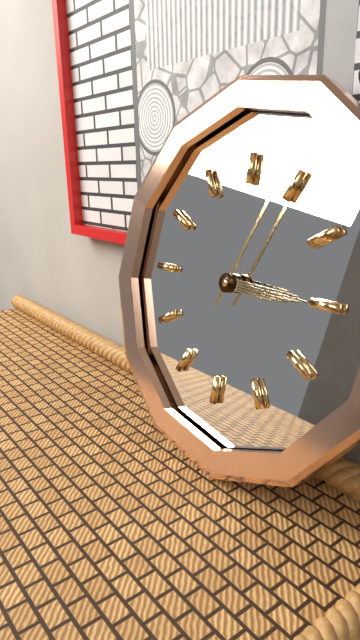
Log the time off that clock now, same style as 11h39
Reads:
3h04
